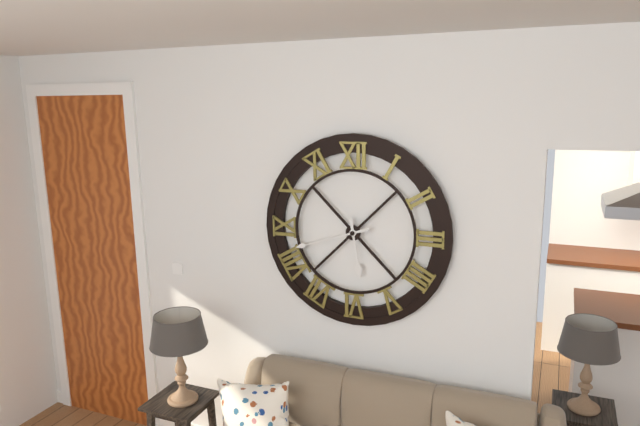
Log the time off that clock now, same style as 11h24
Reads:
5h42
